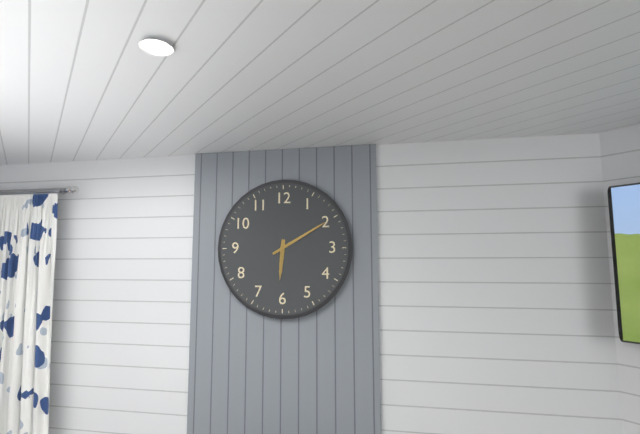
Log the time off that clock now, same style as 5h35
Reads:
6h10
